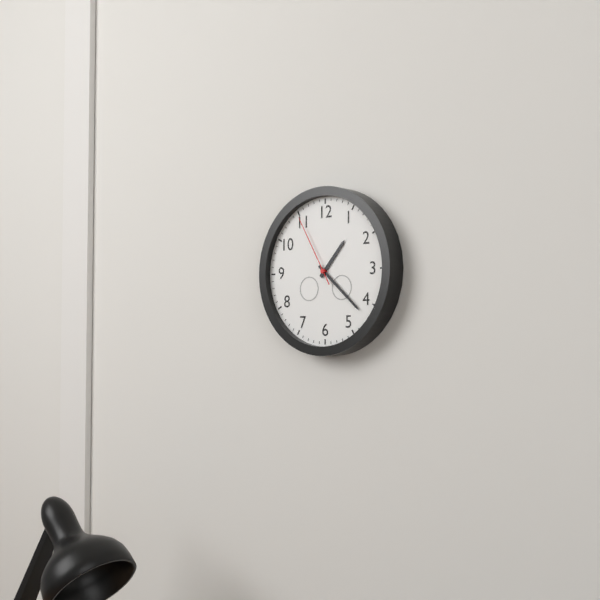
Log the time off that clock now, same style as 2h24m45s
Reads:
1h22m55s
